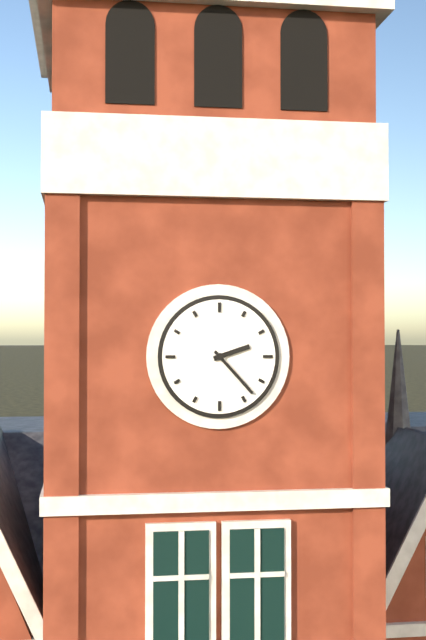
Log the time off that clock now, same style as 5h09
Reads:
2h23
